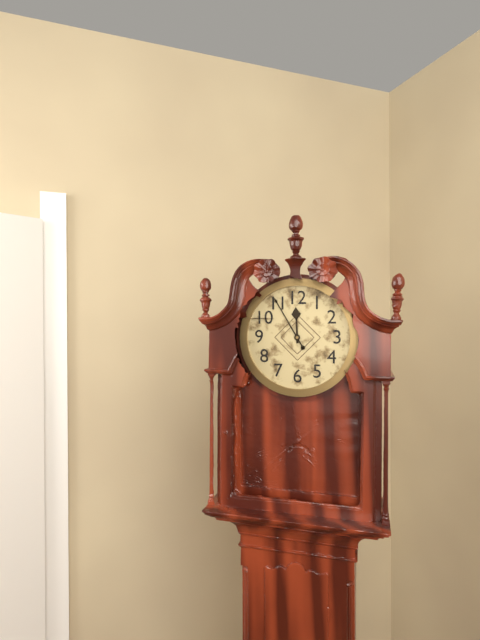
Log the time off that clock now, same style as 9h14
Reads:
11h55
